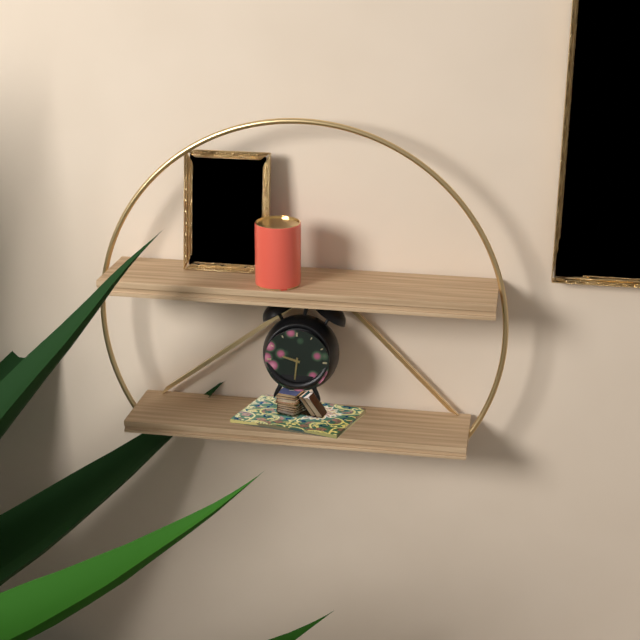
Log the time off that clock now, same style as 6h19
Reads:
9h31
